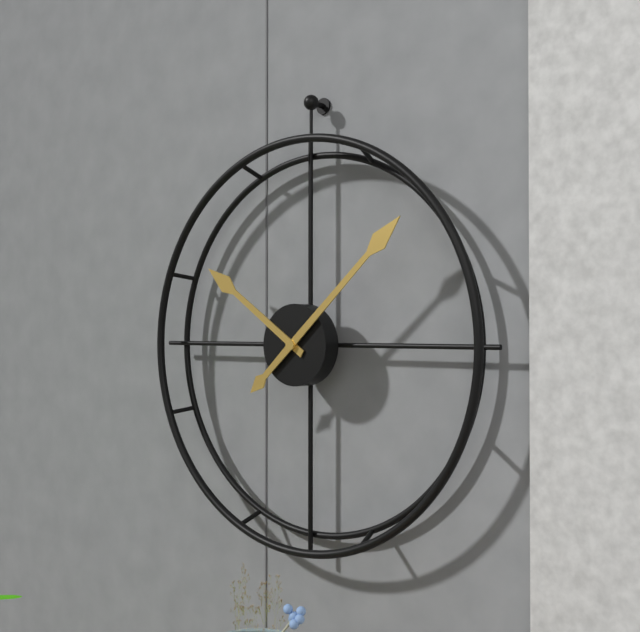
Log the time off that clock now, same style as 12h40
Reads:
10h08
